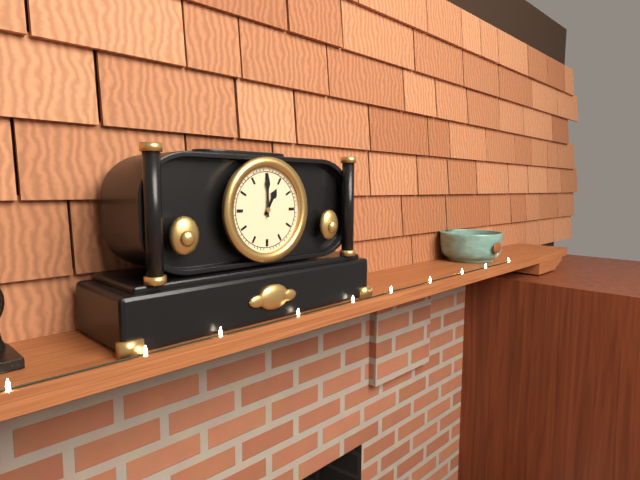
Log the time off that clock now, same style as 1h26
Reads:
1h00
